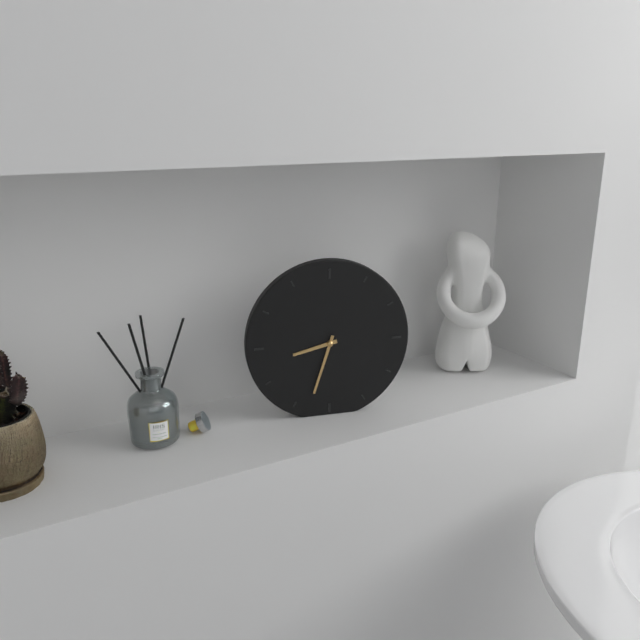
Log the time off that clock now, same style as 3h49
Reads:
8h33
